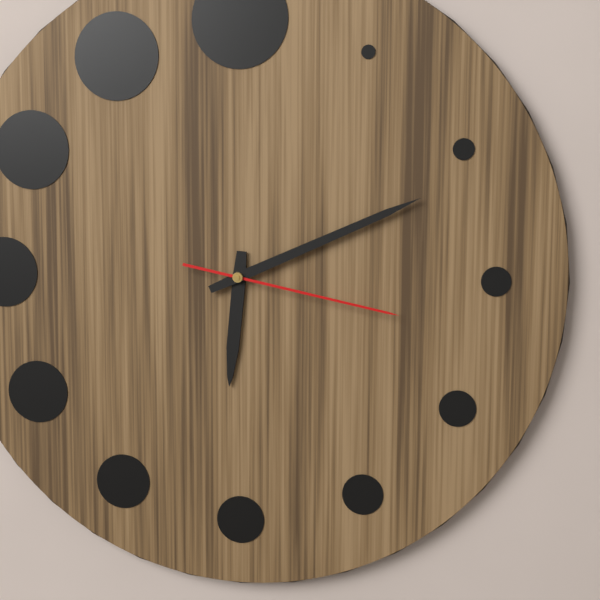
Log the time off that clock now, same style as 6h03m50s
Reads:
6h11m17s
